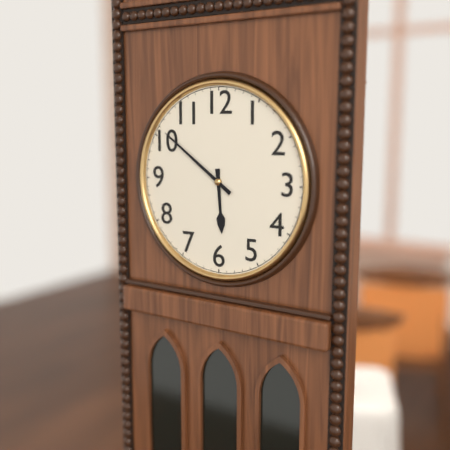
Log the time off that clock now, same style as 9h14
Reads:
5h51
